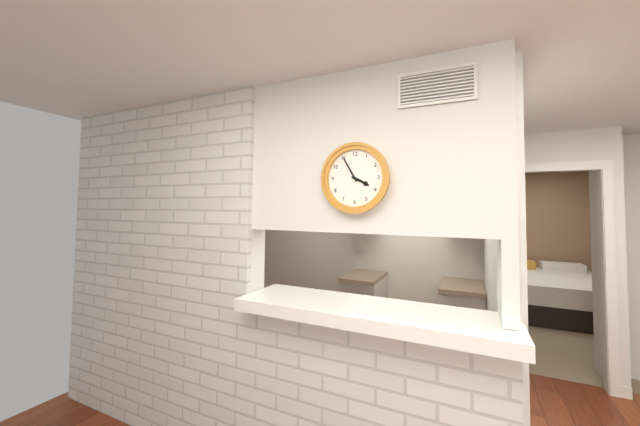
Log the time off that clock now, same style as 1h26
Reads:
3h55
